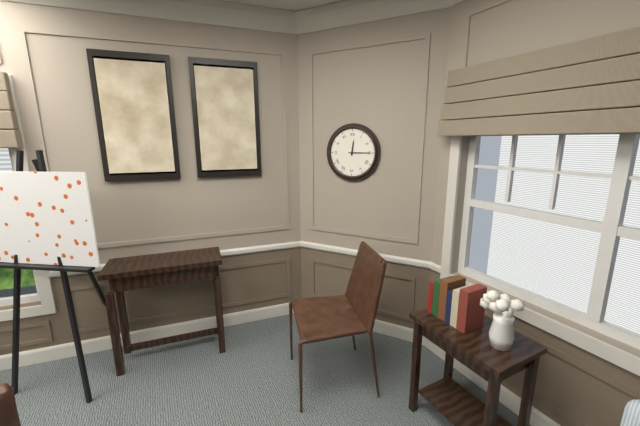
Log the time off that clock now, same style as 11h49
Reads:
12h15
